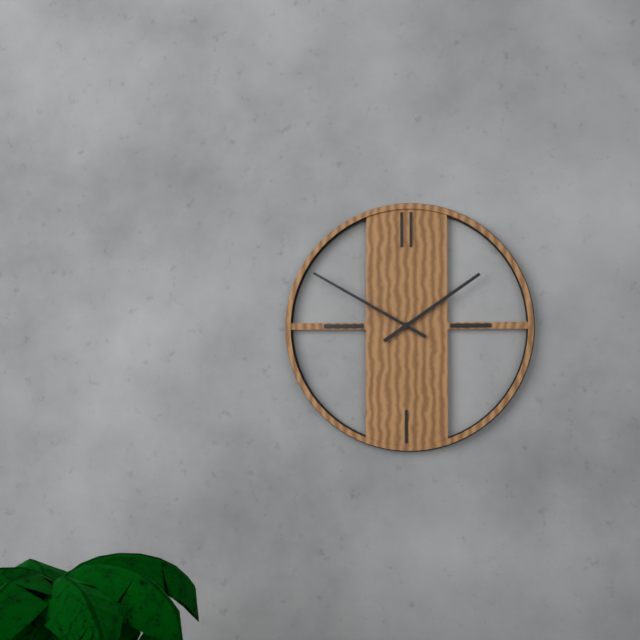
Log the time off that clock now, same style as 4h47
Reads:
1h50
